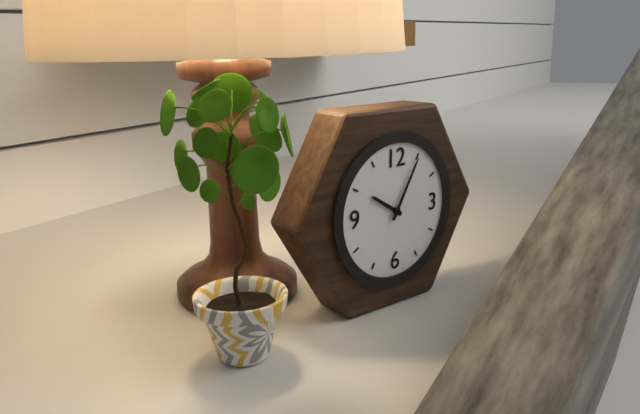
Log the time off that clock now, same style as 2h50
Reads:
10h05
